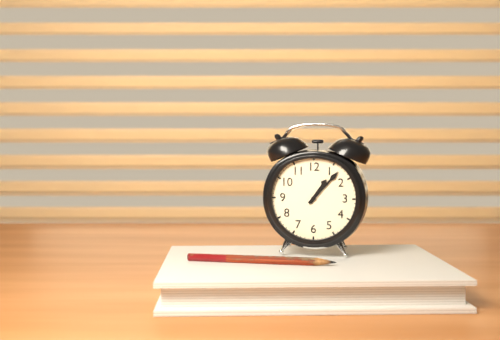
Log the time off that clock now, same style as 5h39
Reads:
1h07
